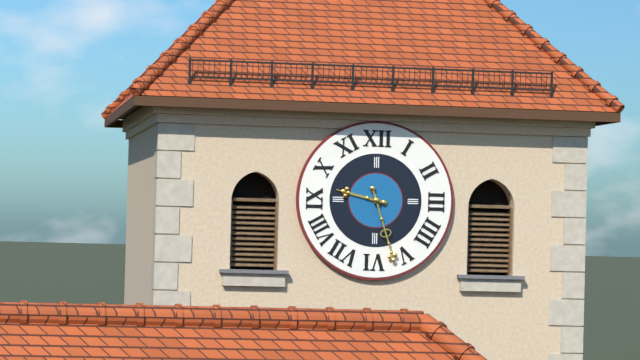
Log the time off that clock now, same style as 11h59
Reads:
9h27
